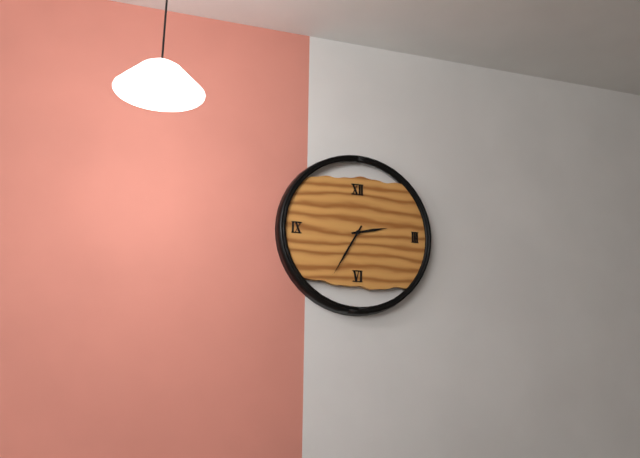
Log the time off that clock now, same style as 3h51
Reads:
2h35
